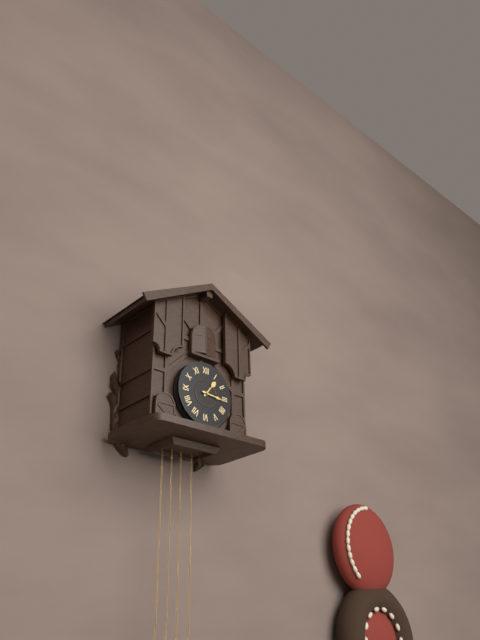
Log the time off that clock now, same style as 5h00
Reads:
1h16
